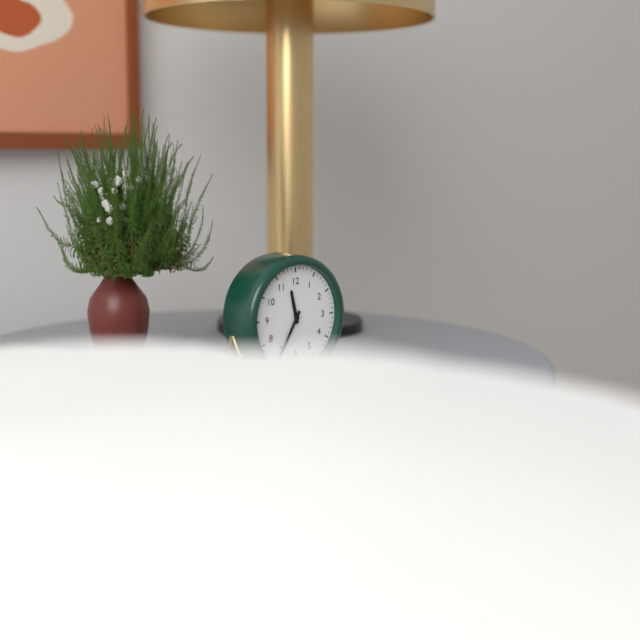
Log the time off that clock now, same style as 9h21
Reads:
11h35
